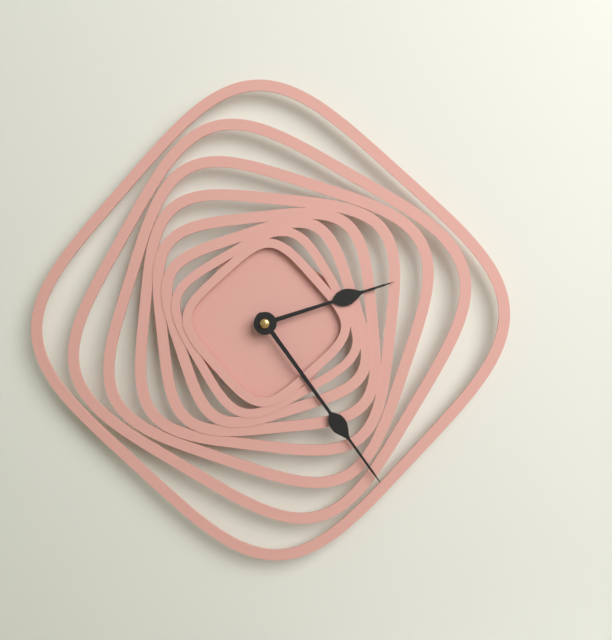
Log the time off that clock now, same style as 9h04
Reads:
2h24
